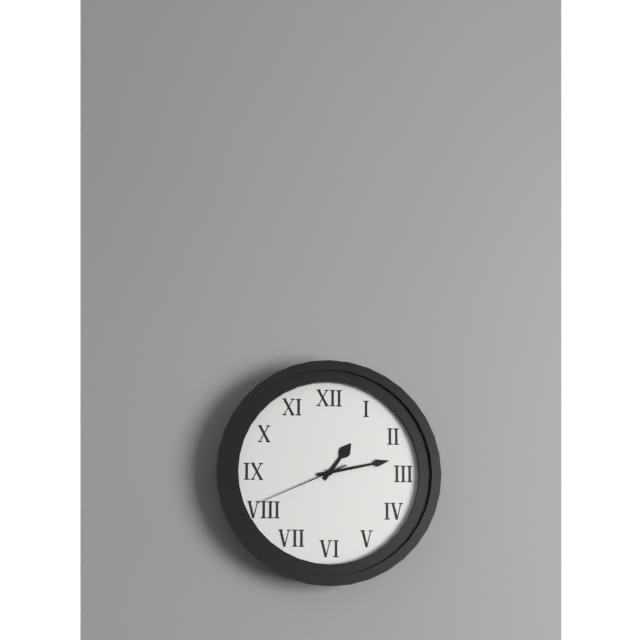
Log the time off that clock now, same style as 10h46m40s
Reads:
1h13m41s
